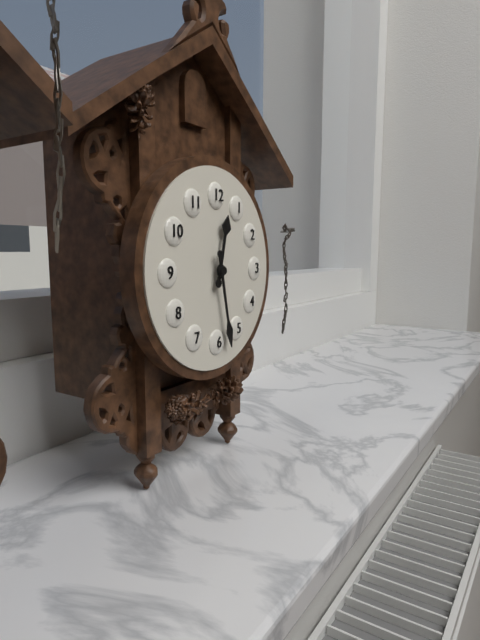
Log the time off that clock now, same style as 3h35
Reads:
12h28
